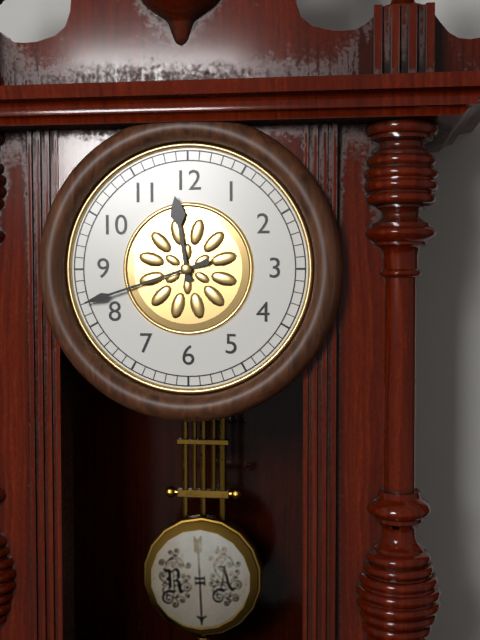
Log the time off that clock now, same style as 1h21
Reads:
11h42
